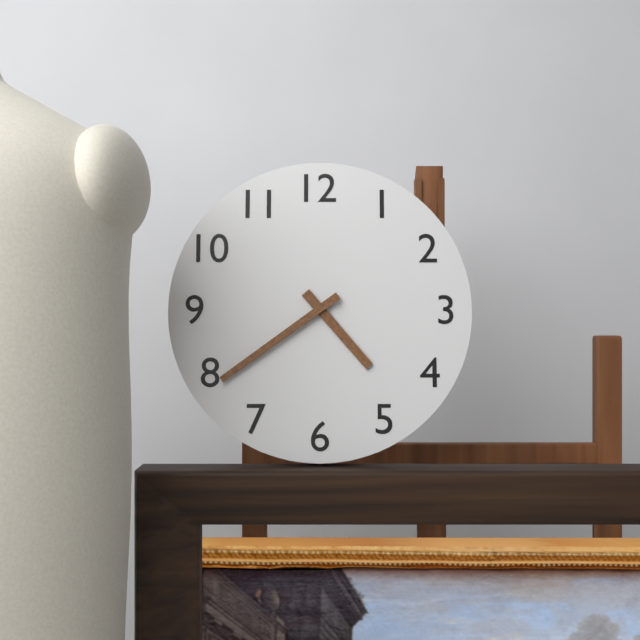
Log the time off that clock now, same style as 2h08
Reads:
4h39
